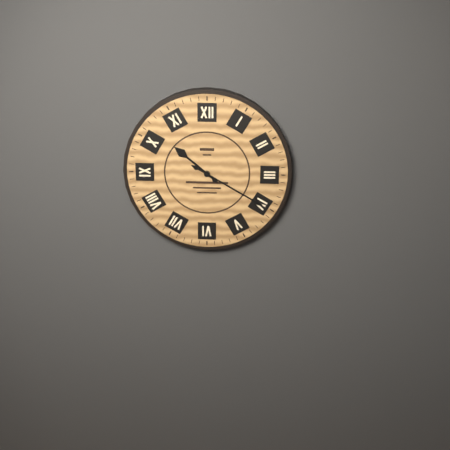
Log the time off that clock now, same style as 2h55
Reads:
10h20
